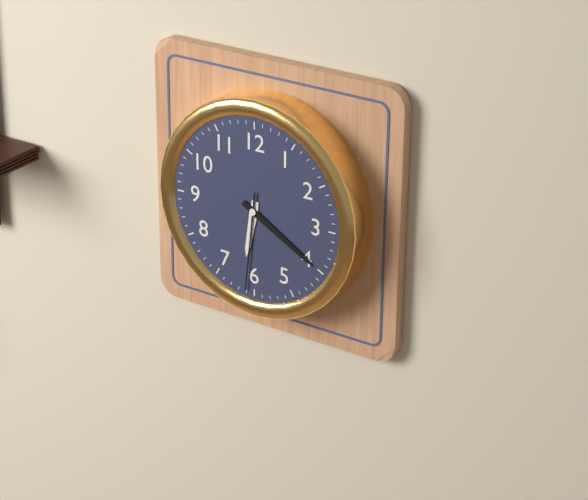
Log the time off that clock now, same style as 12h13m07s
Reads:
6h20m31s
